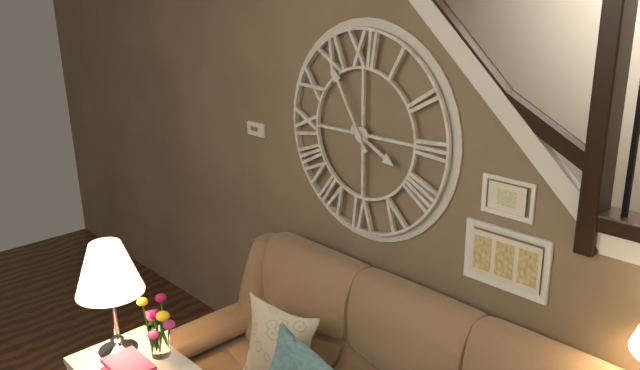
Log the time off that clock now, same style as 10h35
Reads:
3h55
